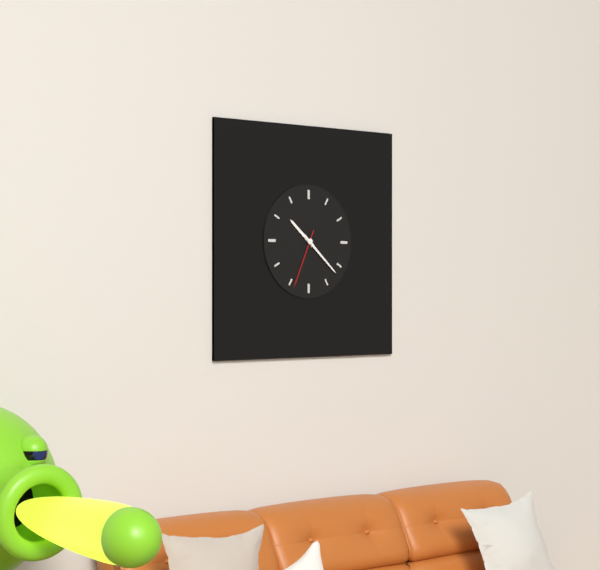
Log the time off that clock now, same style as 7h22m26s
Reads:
10h22m34s
